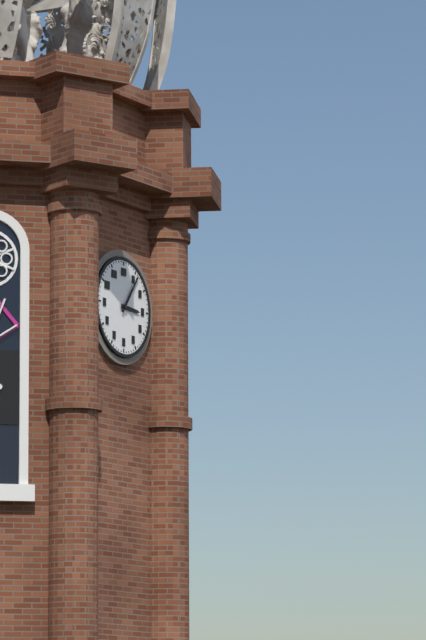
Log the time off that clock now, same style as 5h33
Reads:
3h06
